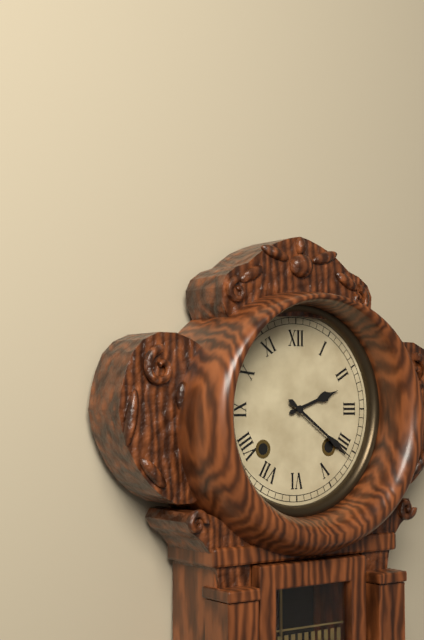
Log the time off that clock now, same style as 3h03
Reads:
2h21
